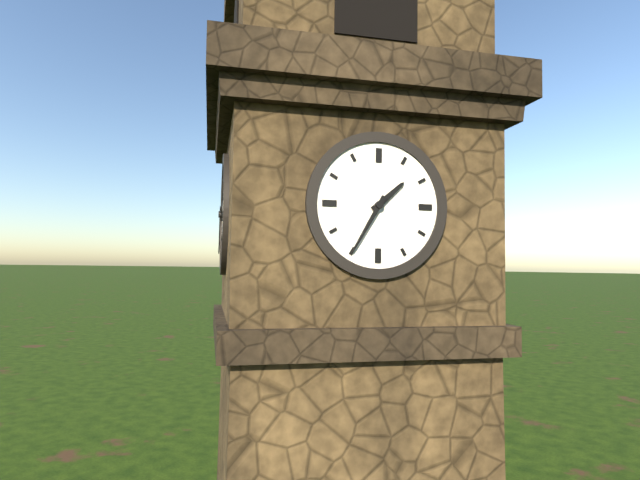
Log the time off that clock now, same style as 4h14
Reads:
1h35
